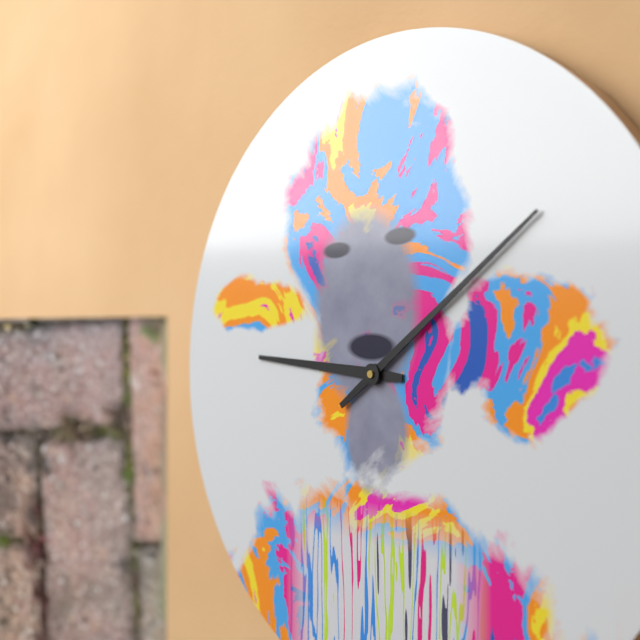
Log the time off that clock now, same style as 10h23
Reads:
9h09
